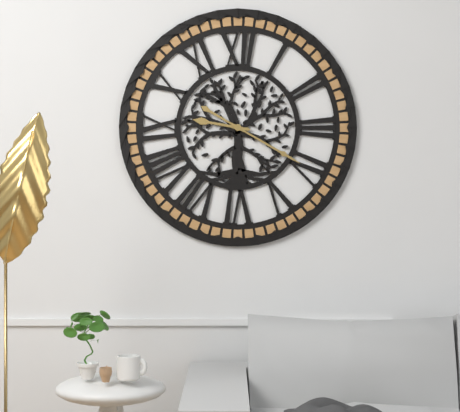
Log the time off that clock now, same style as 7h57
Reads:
9h20
